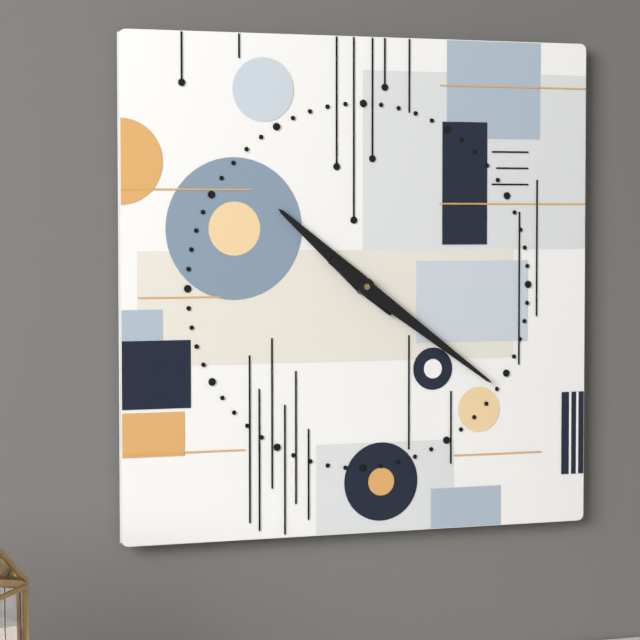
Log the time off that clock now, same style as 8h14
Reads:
10h21
